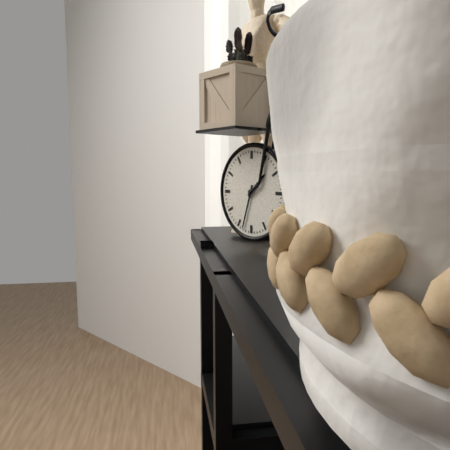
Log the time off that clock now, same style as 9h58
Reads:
1h33
